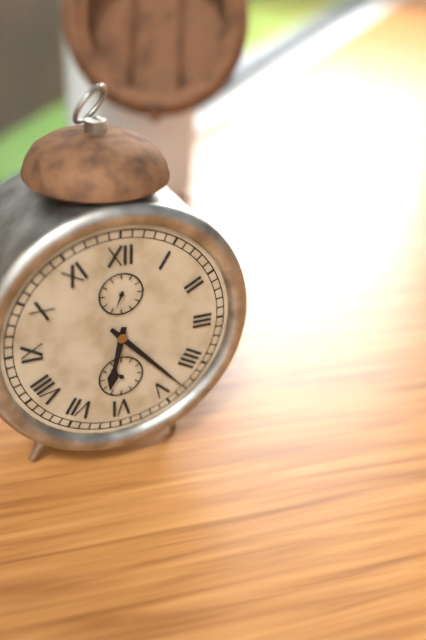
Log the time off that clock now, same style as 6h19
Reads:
6h23
